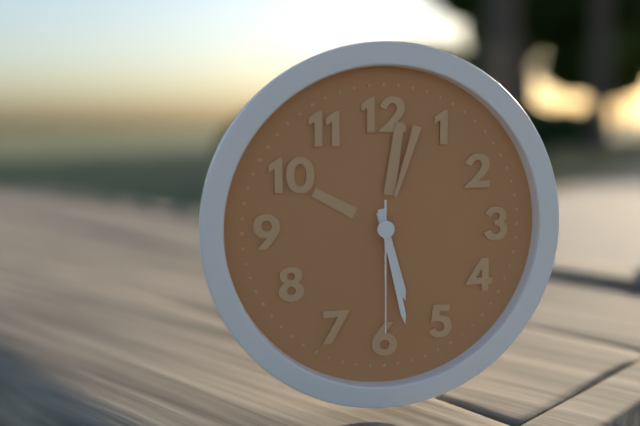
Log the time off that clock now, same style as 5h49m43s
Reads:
5h28m30s
